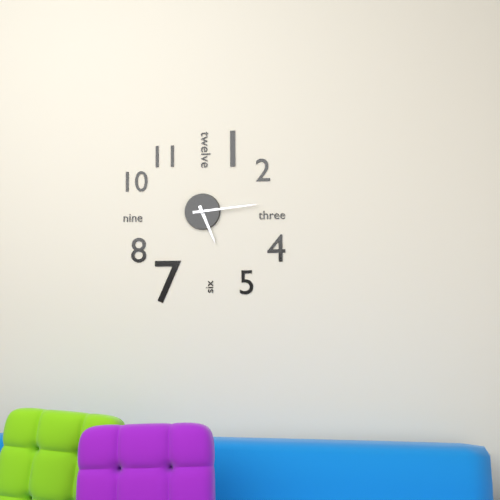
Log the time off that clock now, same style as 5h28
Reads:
5h14
